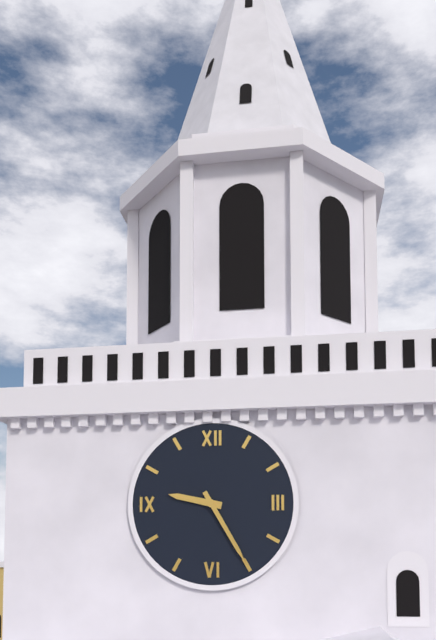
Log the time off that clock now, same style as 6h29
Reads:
9h25
